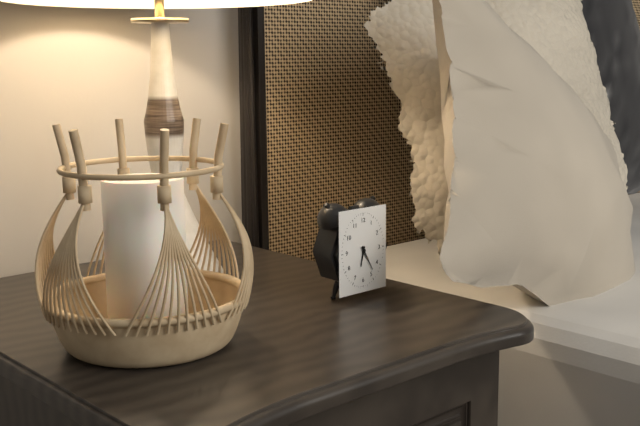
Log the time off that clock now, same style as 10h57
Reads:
6h25
